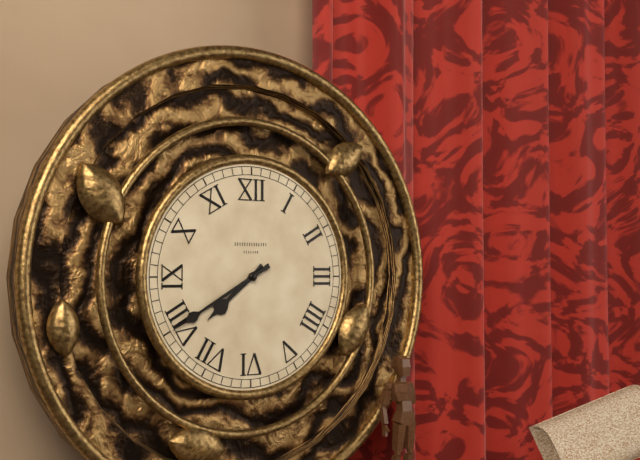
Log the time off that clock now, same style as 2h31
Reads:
7h40
